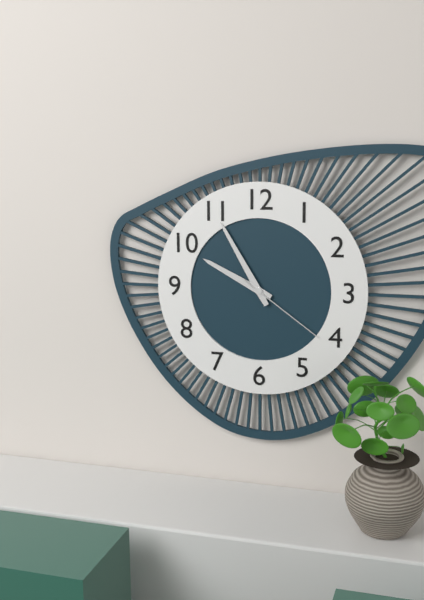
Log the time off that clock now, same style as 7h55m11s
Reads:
9h55m21s
